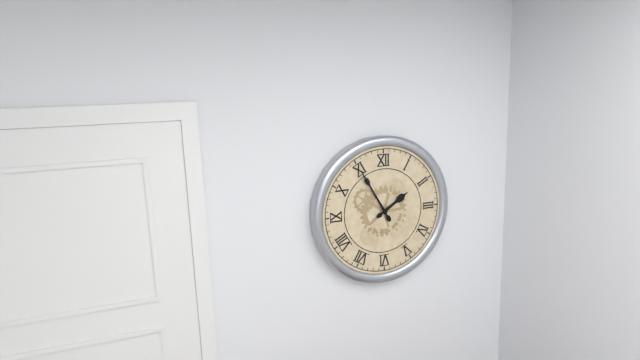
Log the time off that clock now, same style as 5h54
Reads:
1h55
